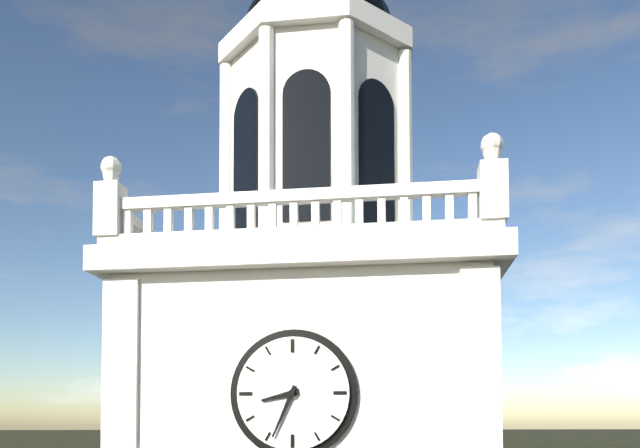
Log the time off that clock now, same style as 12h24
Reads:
8h34
